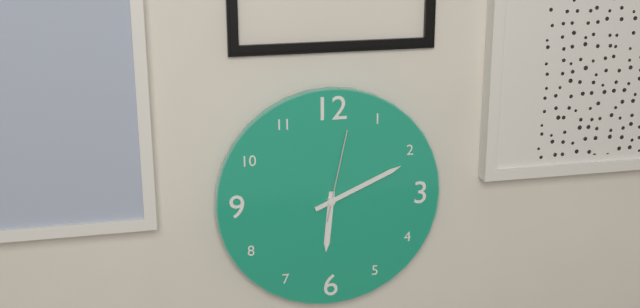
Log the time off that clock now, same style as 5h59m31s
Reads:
6h11m02s
